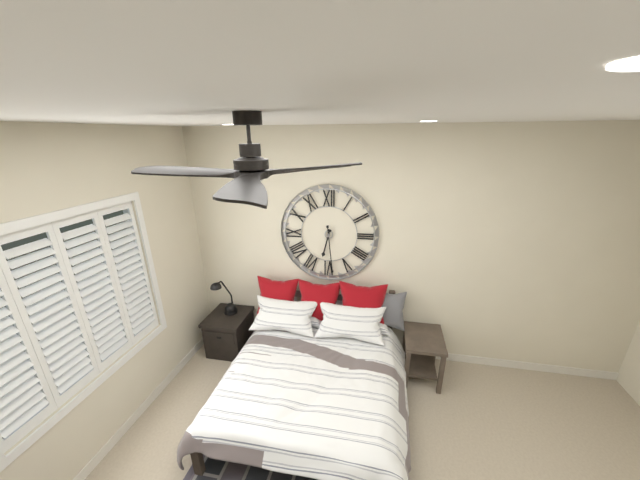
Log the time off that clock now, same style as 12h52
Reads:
6h29
